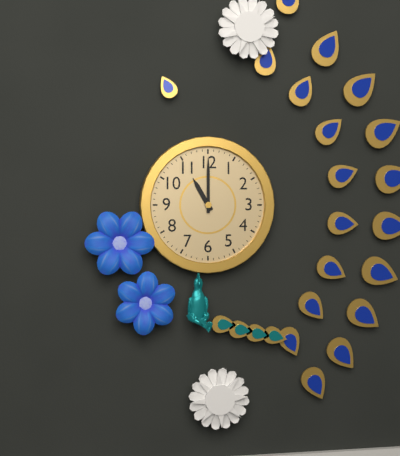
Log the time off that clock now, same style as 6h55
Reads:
11h00
